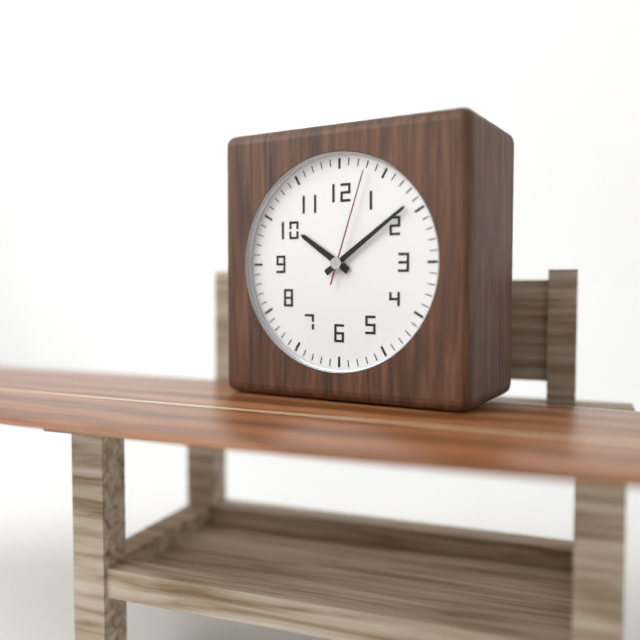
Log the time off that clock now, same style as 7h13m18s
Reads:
10h09m03s
